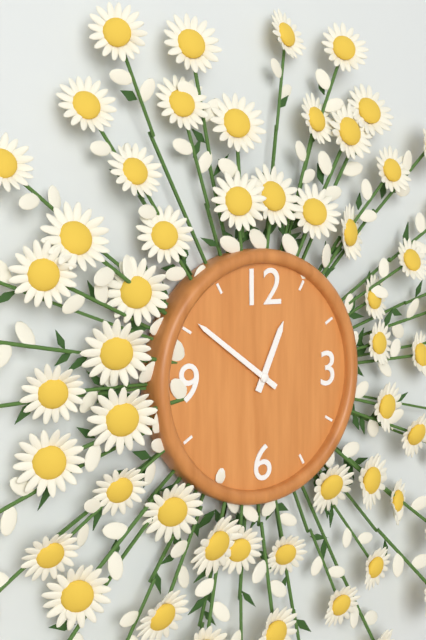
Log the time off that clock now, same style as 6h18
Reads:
12h51
